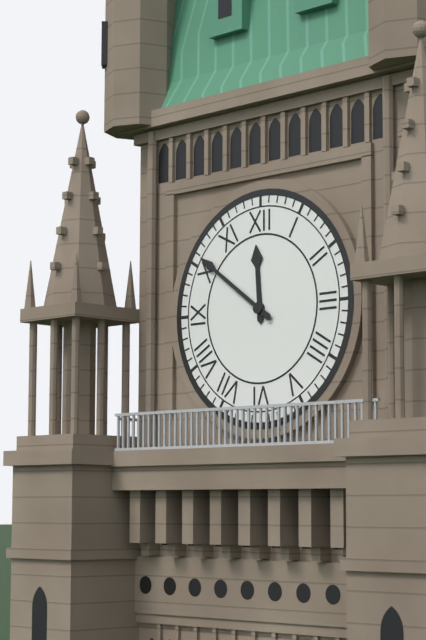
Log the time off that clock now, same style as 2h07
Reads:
11h51
